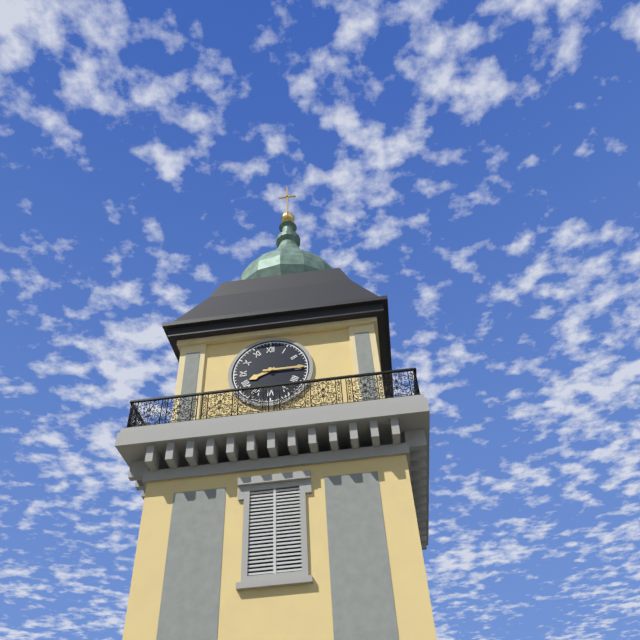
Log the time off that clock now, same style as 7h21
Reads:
8h15
